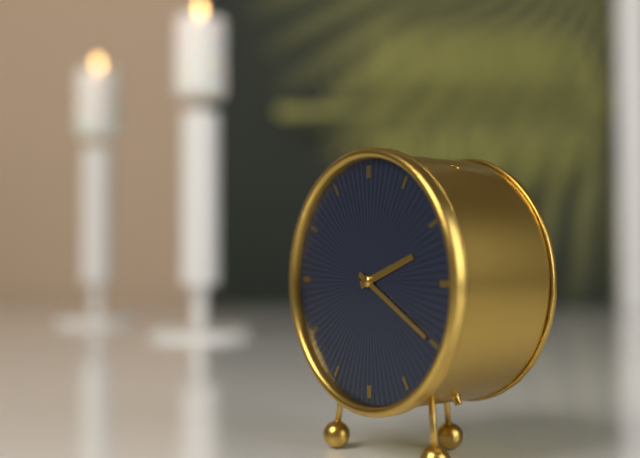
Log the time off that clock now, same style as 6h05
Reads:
2h20
